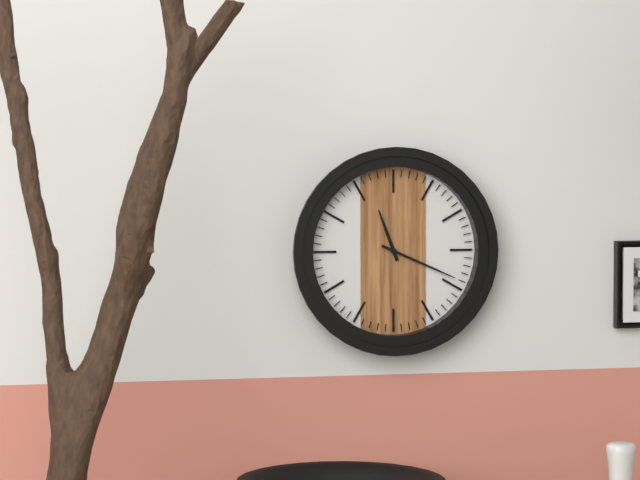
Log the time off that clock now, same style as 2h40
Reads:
11h19
